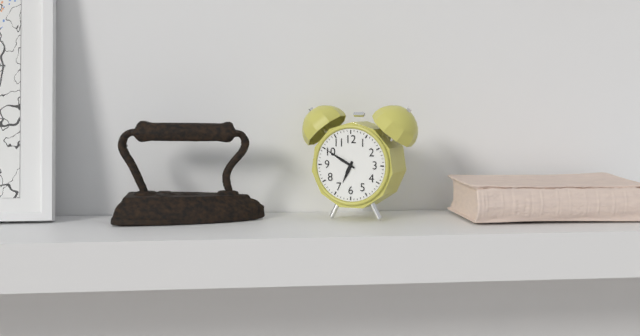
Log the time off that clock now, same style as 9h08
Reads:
6h50
